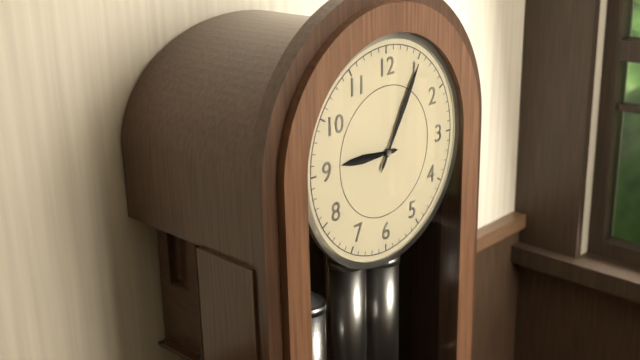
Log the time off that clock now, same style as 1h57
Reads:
9h05
